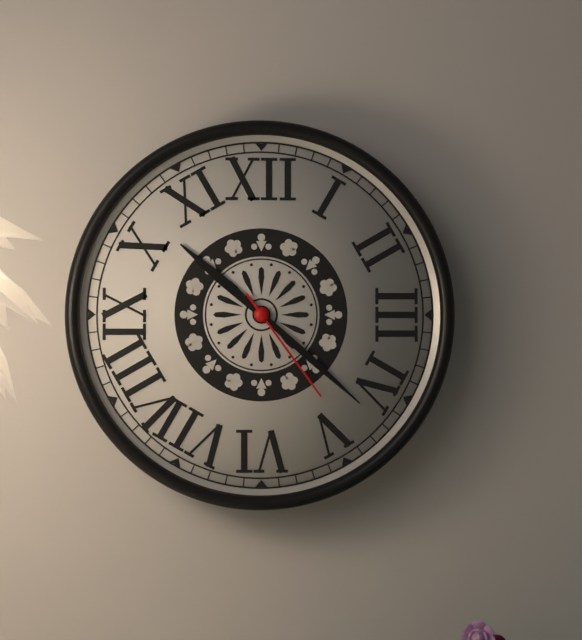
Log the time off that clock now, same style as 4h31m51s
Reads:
10h22m24s
